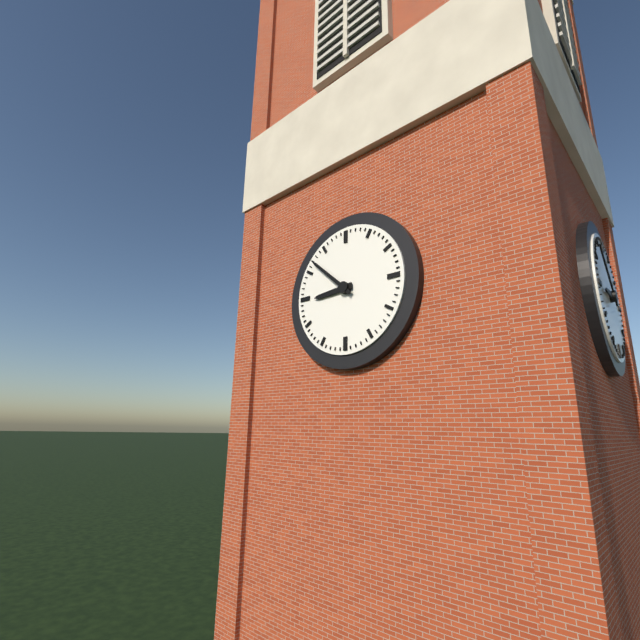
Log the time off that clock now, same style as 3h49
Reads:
8h52
